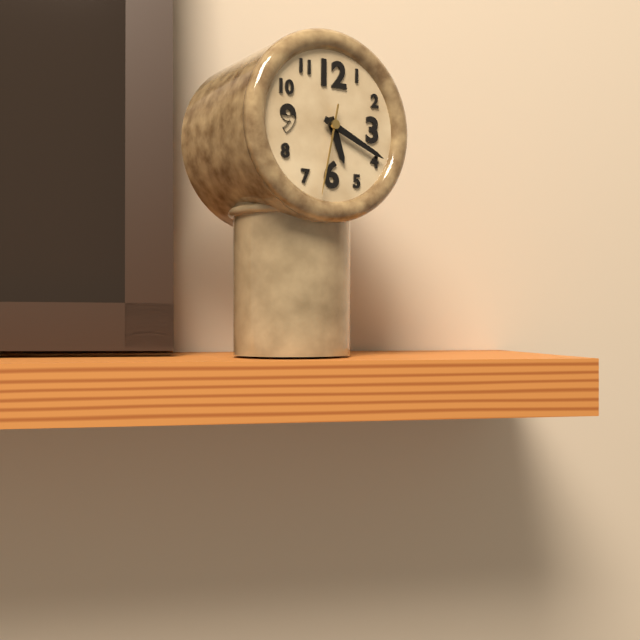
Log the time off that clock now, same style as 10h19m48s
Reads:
5h19m32s
